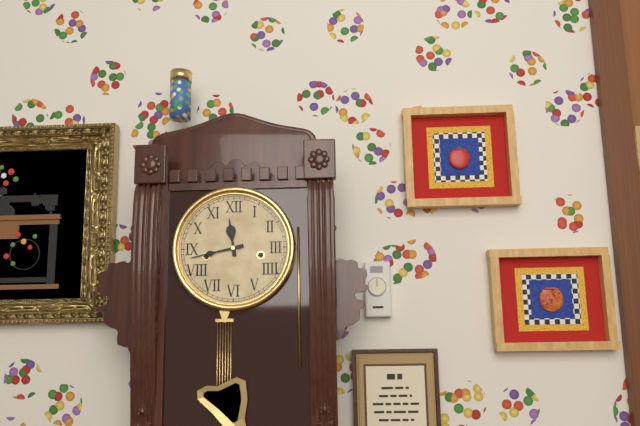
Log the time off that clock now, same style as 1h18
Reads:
11h43
